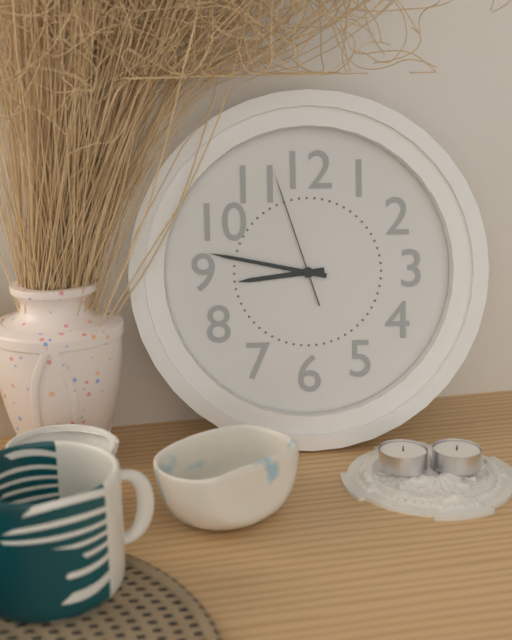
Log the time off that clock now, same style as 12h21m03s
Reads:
8h47m57s
